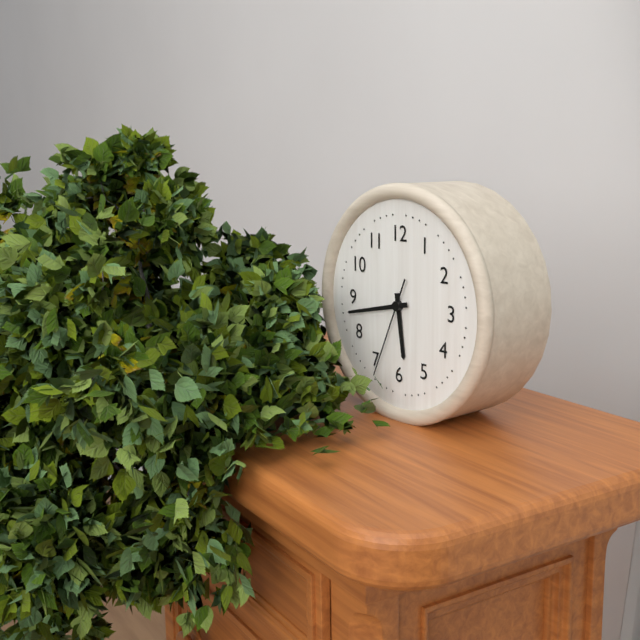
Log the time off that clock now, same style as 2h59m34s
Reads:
5h43m34s
